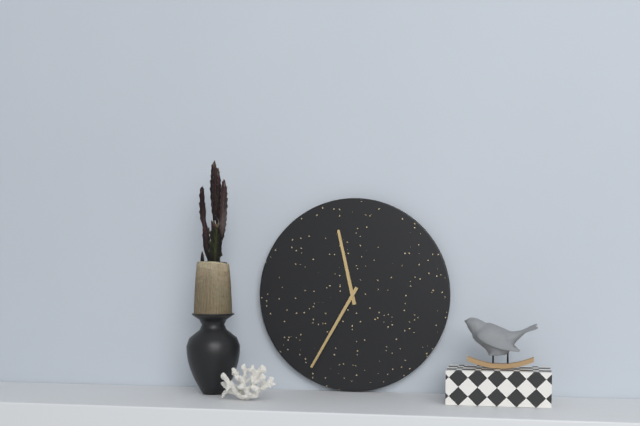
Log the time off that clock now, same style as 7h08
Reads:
11h35
